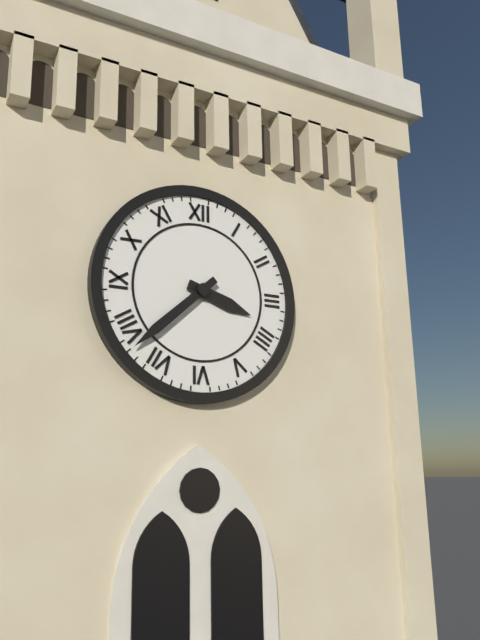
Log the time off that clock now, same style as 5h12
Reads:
3h38
